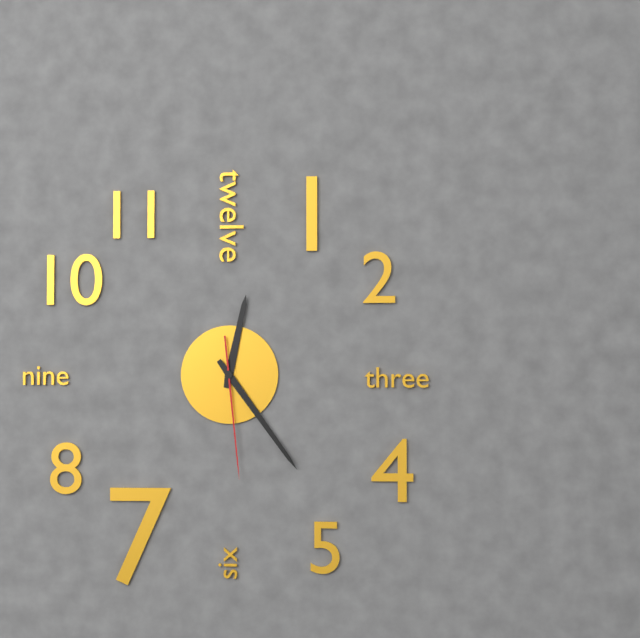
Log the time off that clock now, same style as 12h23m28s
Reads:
12h24m29s
